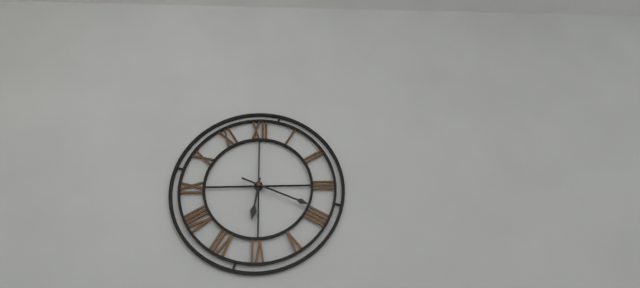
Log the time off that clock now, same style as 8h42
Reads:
6h19
